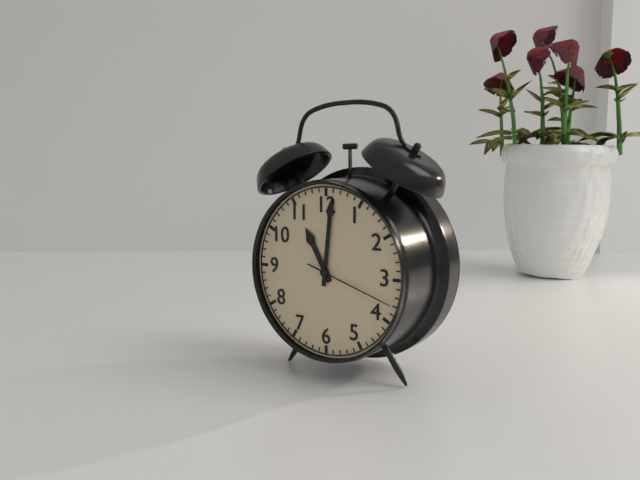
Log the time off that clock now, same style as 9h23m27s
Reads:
11h01m18s
